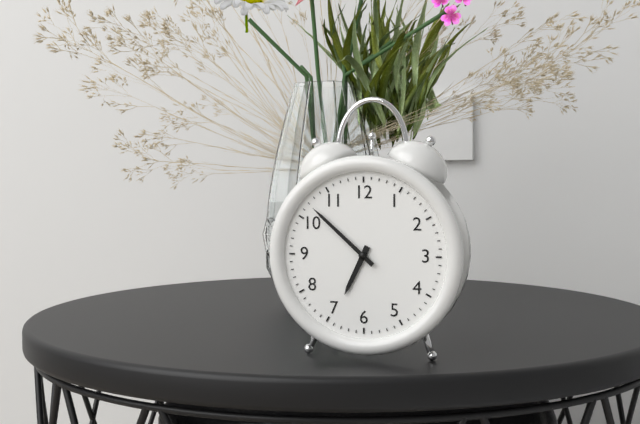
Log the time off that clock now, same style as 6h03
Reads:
6h52
